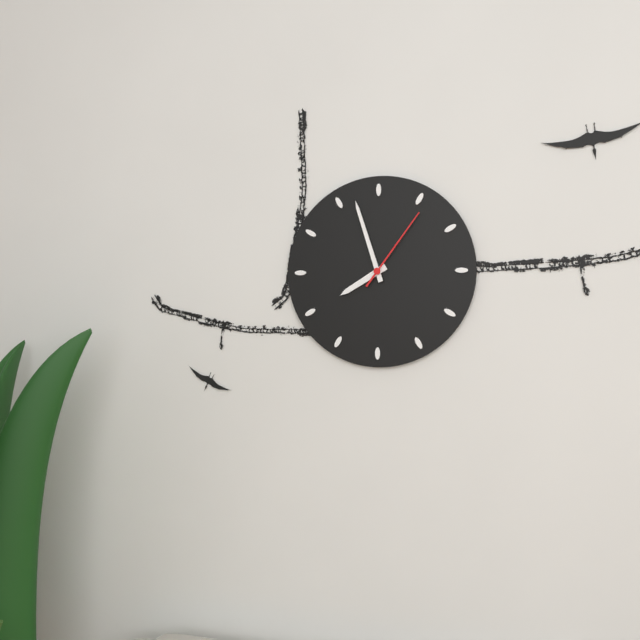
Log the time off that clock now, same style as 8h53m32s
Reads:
7h57m06s
